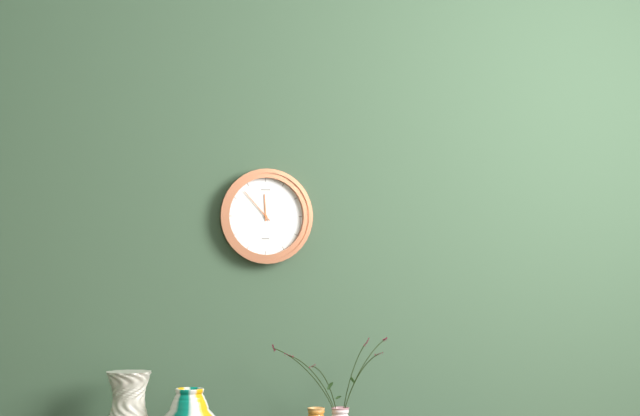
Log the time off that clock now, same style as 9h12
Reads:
11h53
